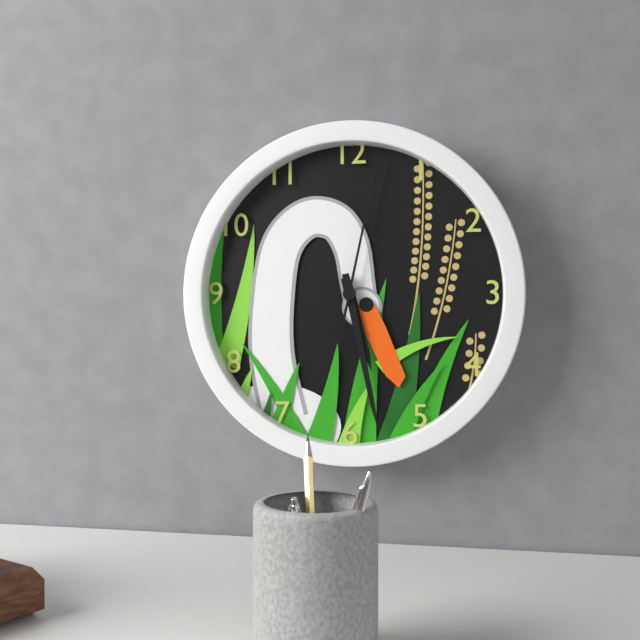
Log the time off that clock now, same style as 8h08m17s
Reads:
5h28m02s
